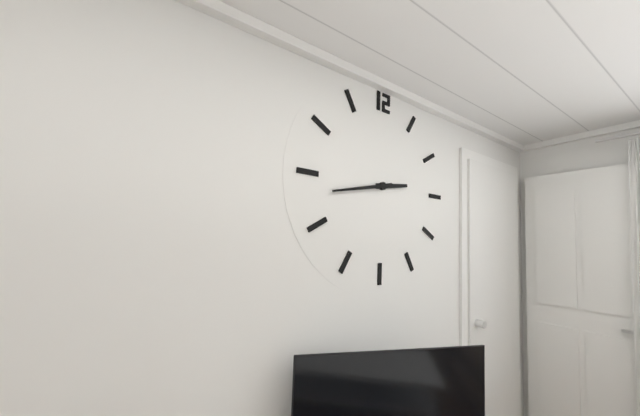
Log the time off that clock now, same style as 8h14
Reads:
2h43
